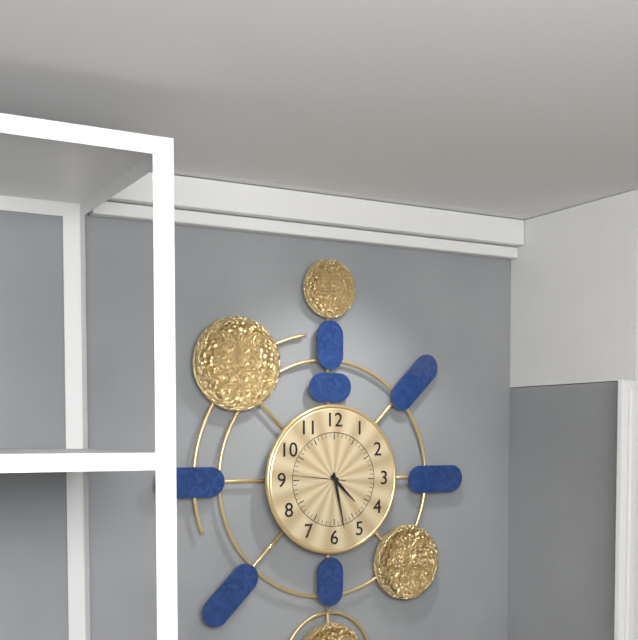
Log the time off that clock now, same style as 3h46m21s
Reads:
4h28m46s
